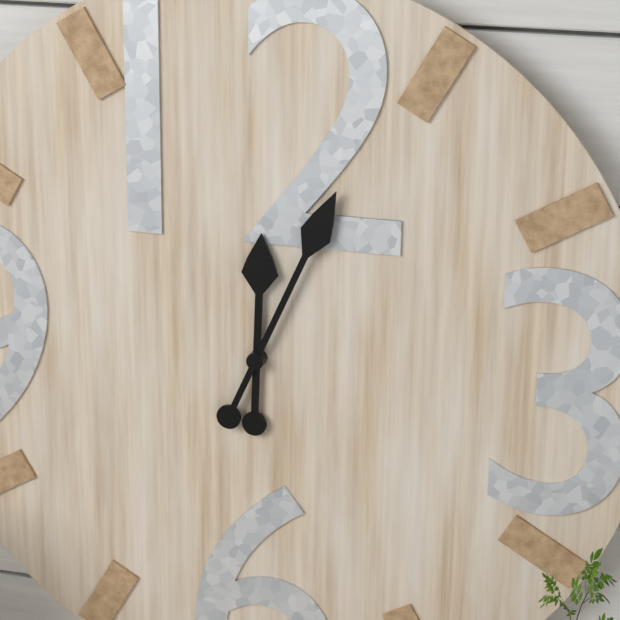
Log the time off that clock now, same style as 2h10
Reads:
12h04
